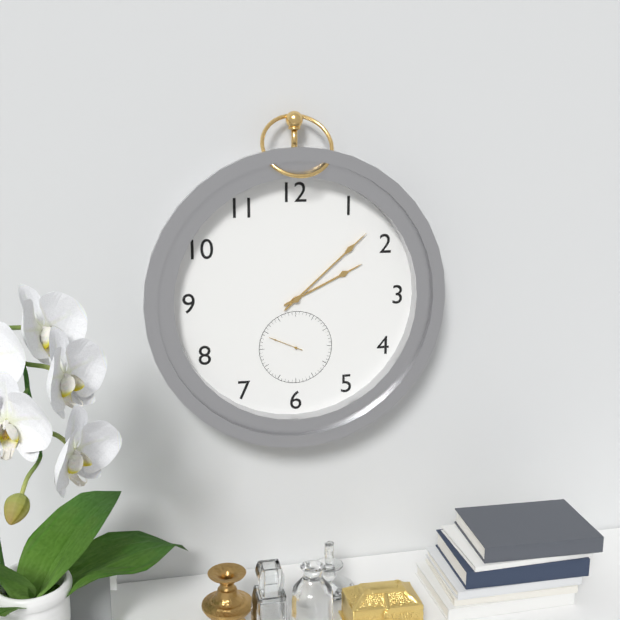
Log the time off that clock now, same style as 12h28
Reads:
2h08
